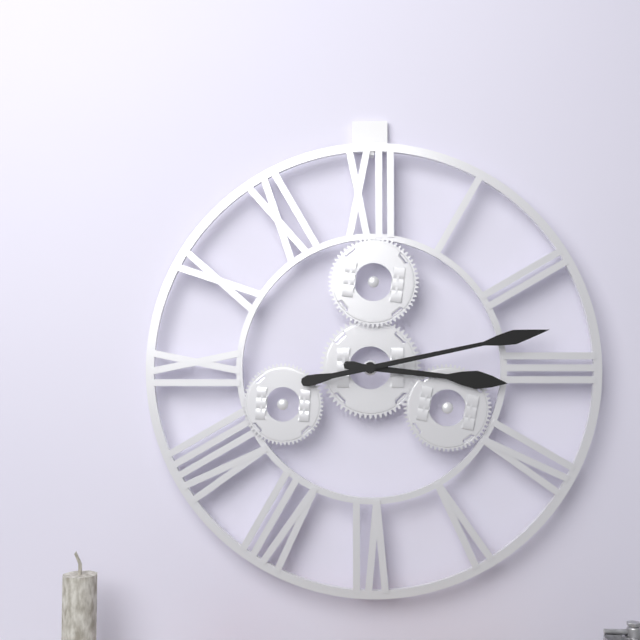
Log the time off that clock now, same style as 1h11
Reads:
3h13
